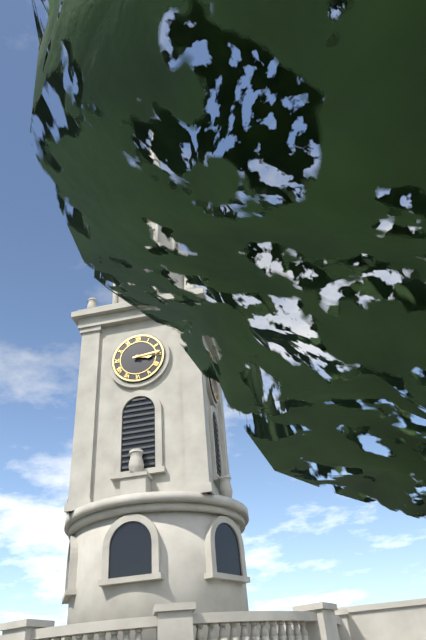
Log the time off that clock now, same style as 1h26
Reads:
3h14
